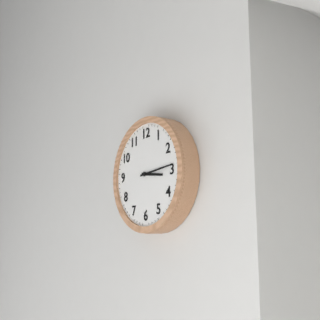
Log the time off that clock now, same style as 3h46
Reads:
3h14
